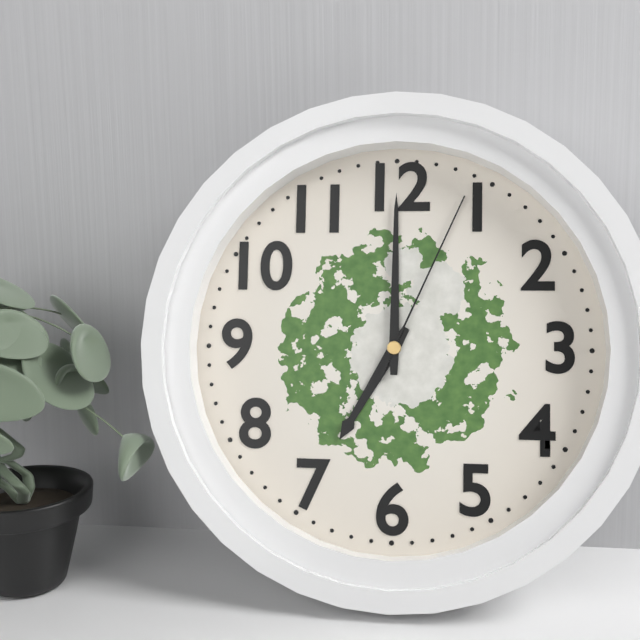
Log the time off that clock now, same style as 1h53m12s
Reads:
7h00m04s
